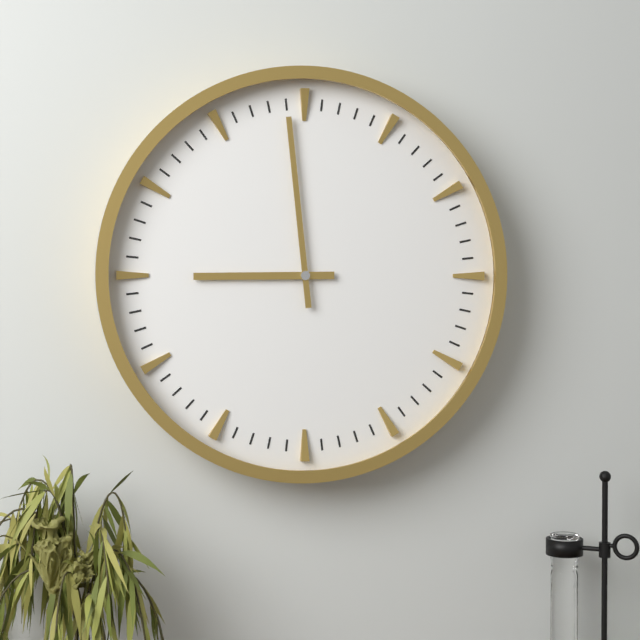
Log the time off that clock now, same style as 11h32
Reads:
8h59
